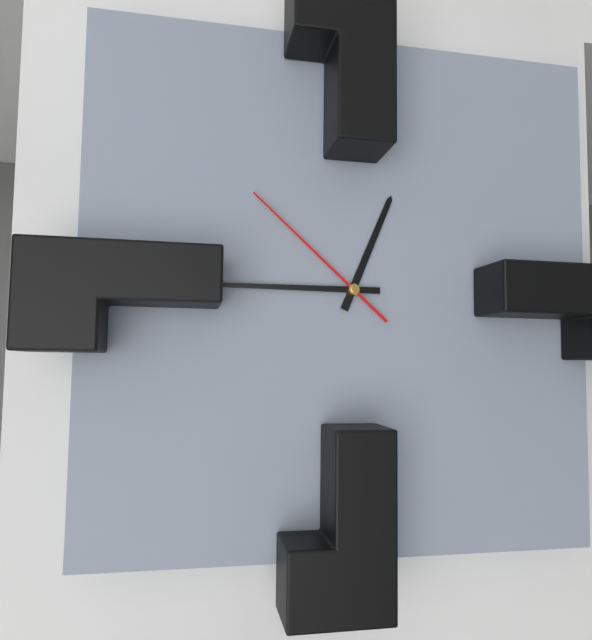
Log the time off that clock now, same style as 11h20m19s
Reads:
12h45m52s
